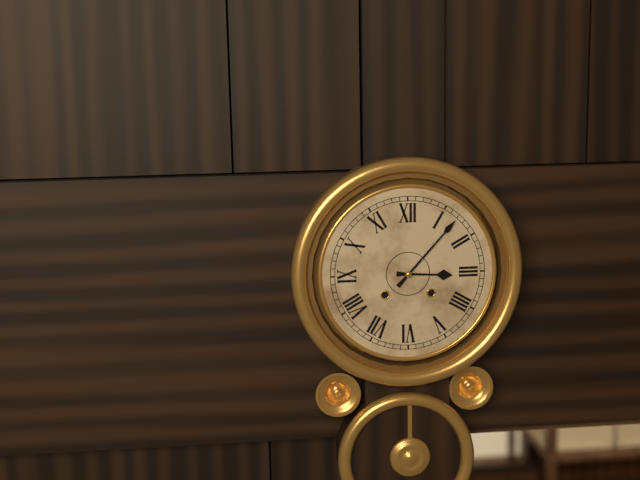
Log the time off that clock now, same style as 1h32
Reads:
3h07
